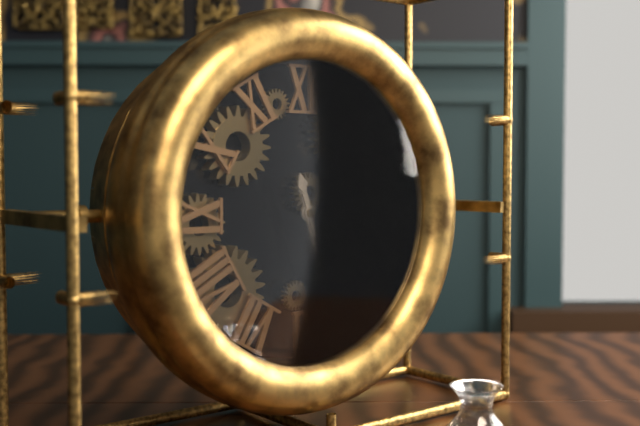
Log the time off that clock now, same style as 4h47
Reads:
5h27
